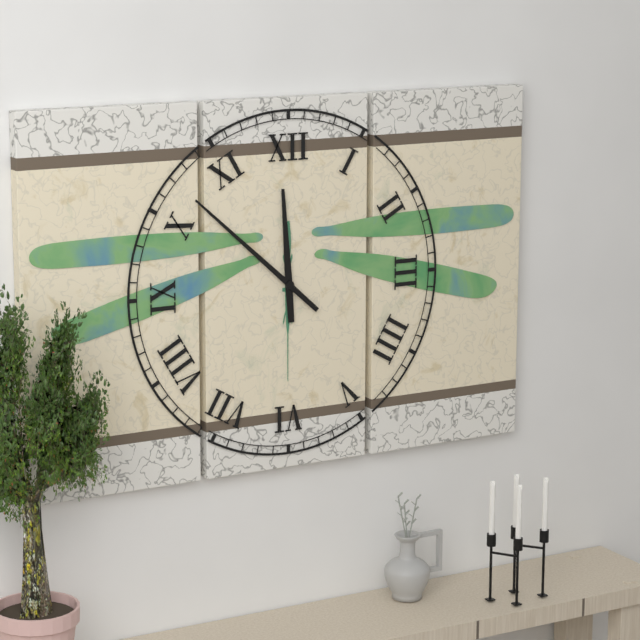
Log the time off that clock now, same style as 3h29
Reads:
11h52
